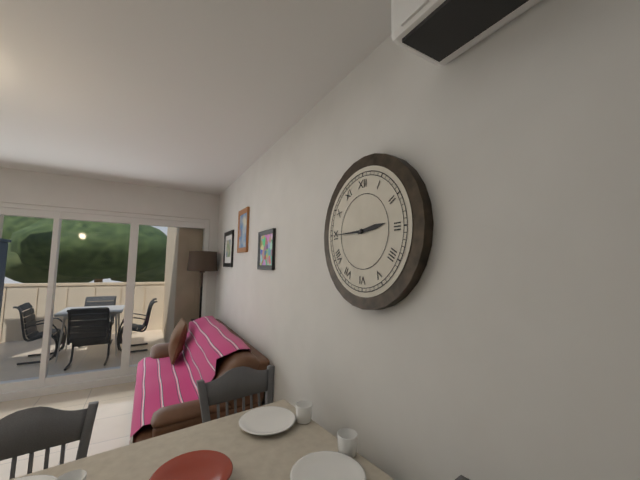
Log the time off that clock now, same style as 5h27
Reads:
2h45
